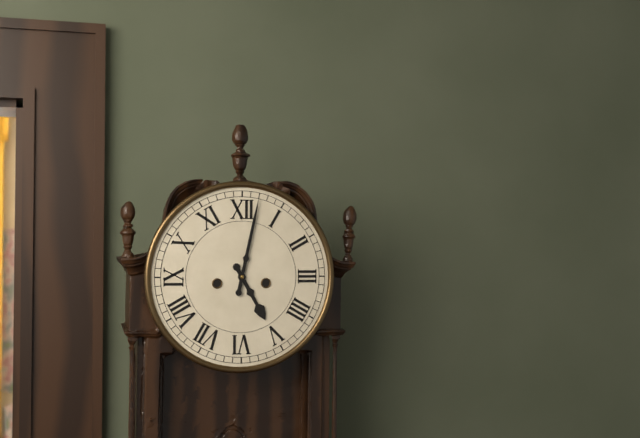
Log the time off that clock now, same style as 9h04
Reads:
5h02
